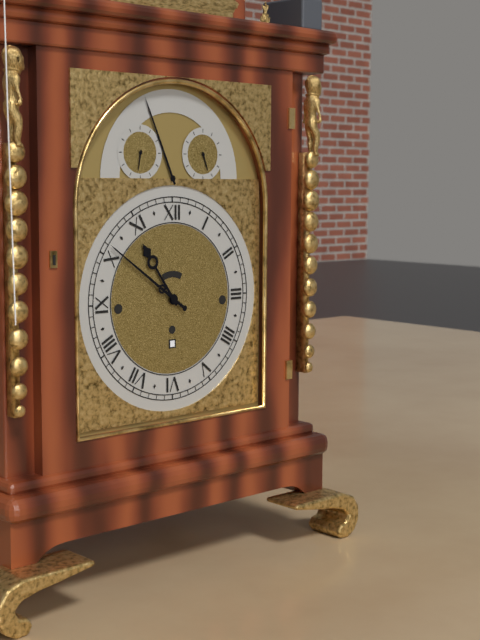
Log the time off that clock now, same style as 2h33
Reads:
10h51
